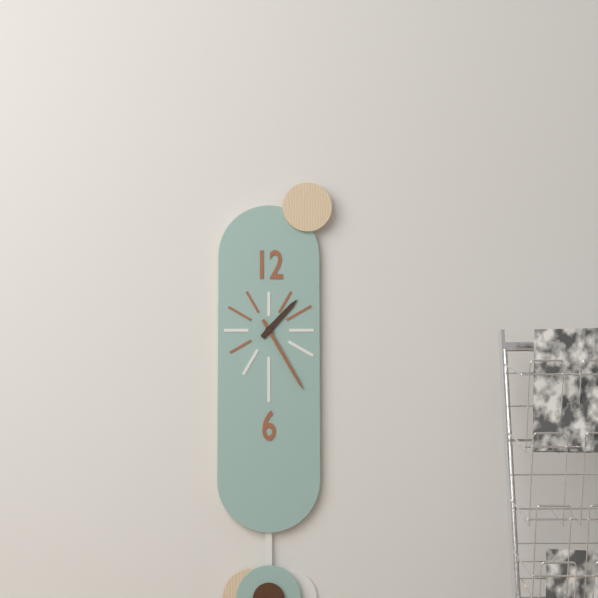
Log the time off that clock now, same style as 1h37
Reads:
1h25
